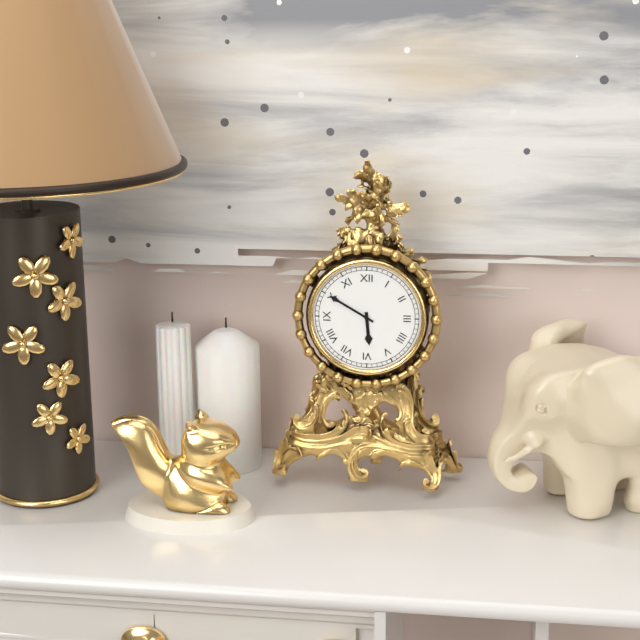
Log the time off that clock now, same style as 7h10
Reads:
5h50
